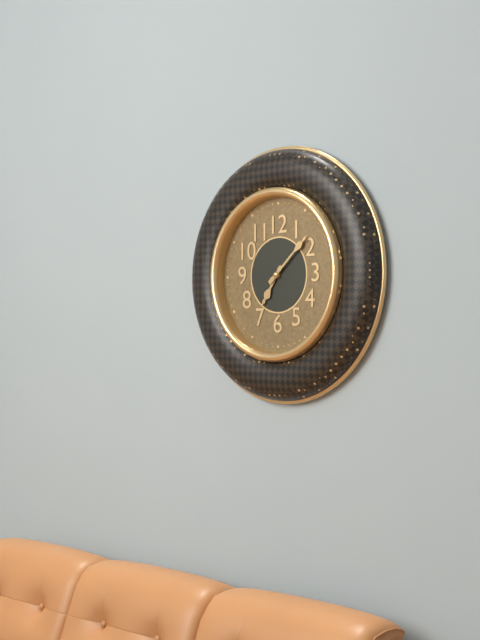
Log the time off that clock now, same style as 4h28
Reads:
7h08
